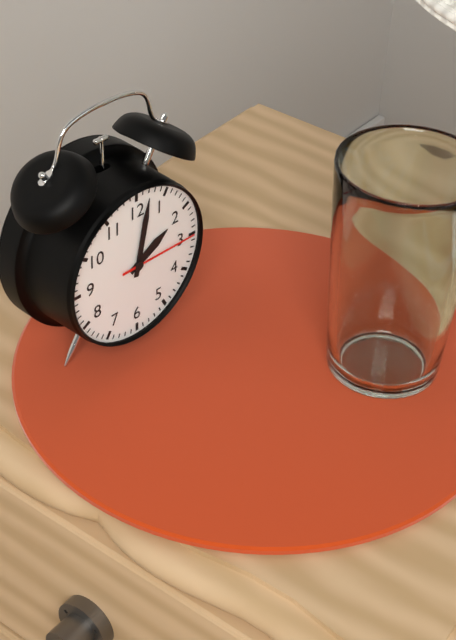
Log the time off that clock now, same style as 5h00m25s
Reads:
2h02m15s
